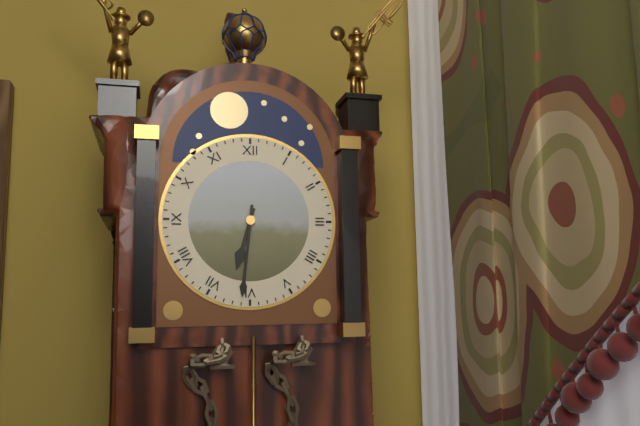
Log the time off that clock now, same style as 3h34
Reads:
6h31
